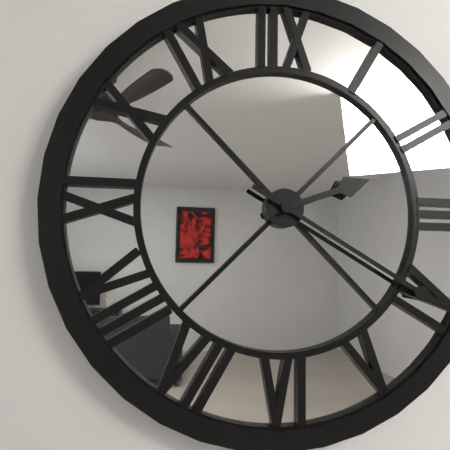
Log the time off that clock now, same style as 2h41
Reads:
2h20
